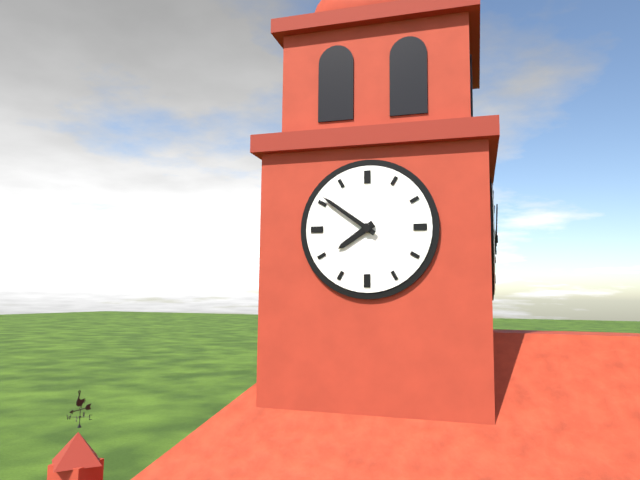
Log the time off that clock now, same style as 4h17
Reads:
7h51
